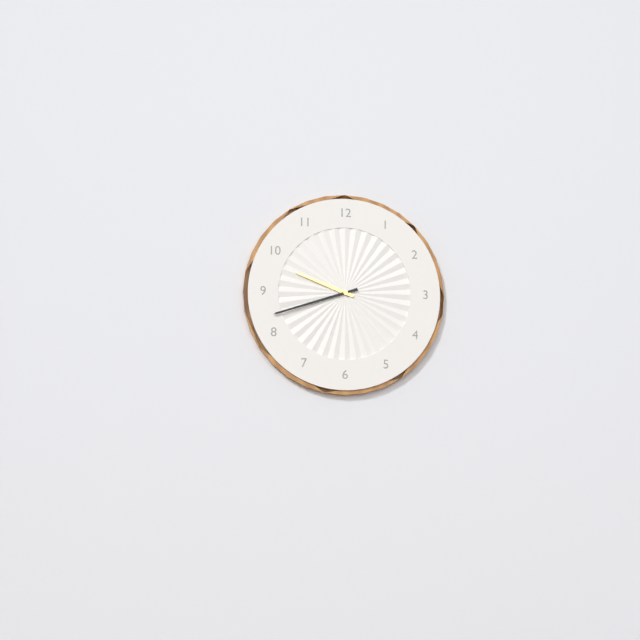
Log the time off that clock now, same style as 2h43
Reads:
9h42
